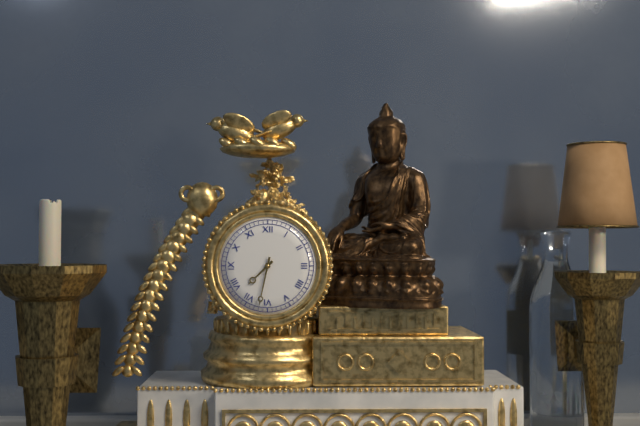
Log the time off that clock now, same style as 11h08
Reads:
7h32
